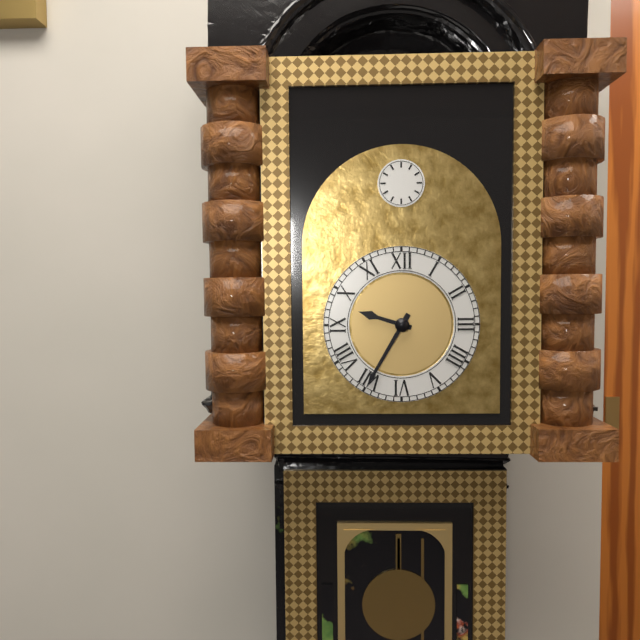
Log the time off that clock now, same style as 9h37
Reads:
9h35
